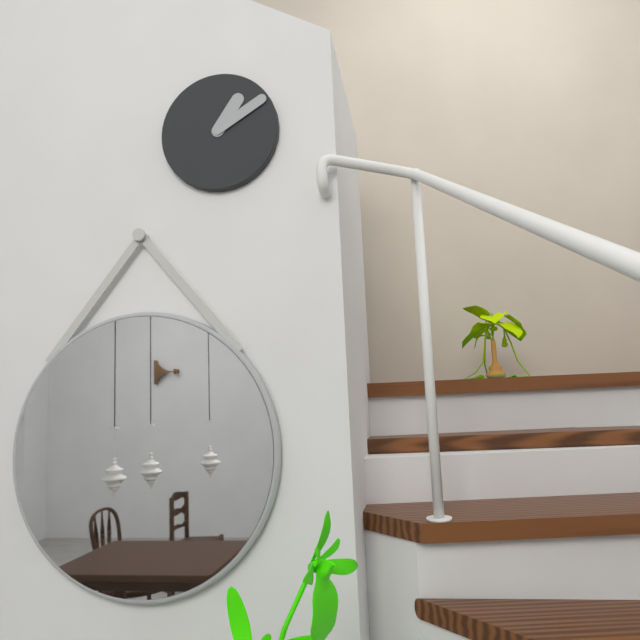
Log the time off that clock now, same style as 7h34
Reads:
1h10
